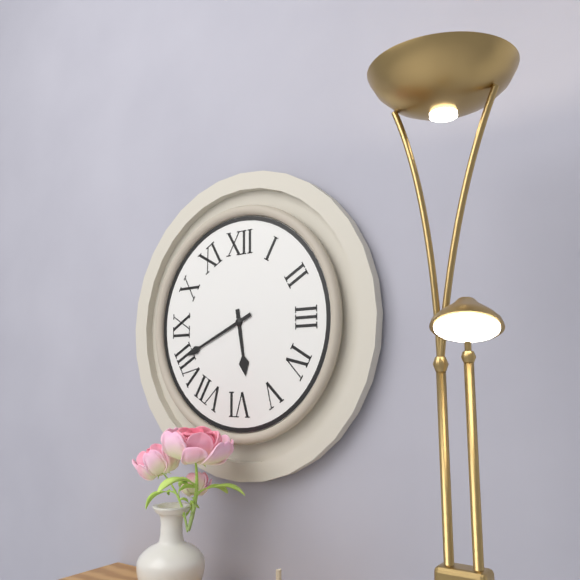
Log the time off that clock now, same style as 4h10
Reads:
5h41
